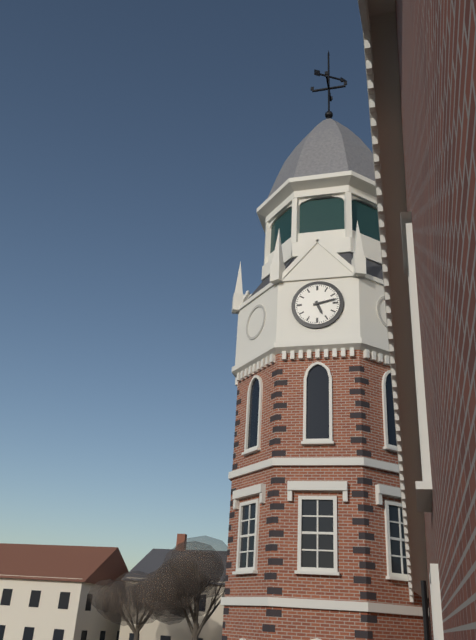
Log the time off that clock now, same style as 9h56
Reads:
5h13
